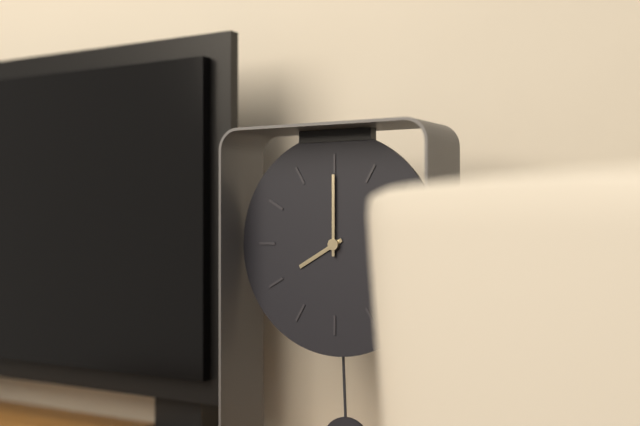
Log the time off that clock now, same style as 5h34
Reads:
8h00
